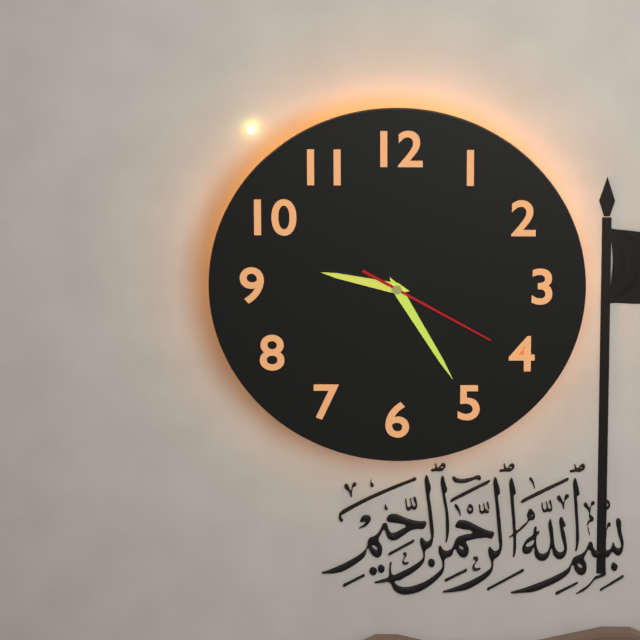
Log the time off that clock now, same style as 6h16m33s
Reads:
9h25m20s
